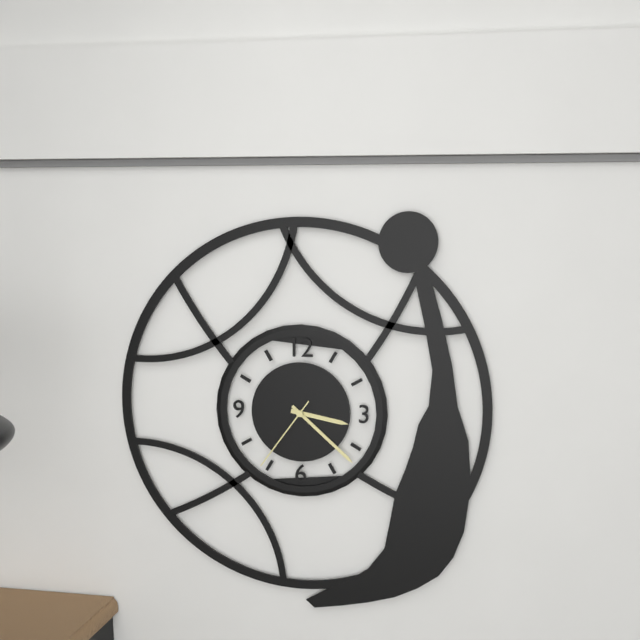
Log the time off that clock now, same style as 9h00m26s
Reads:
3h22m36s
